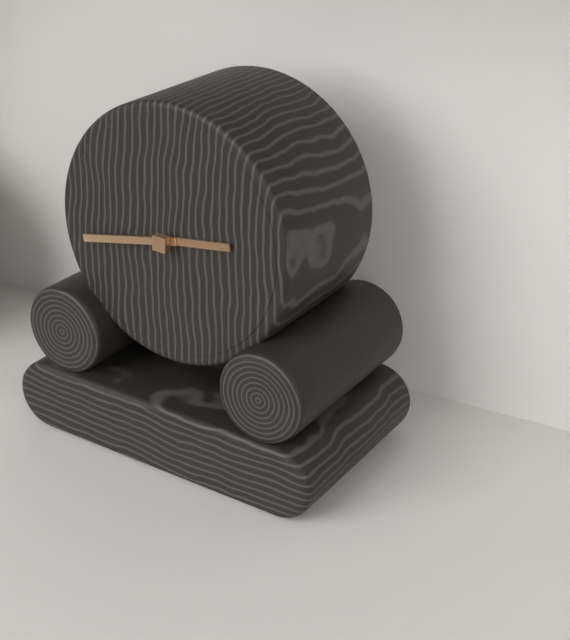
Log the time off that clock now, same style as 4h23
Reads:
2h43
